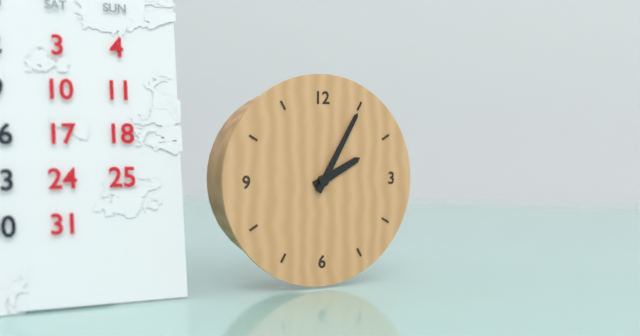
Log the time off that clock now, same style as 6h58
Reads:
2h05
